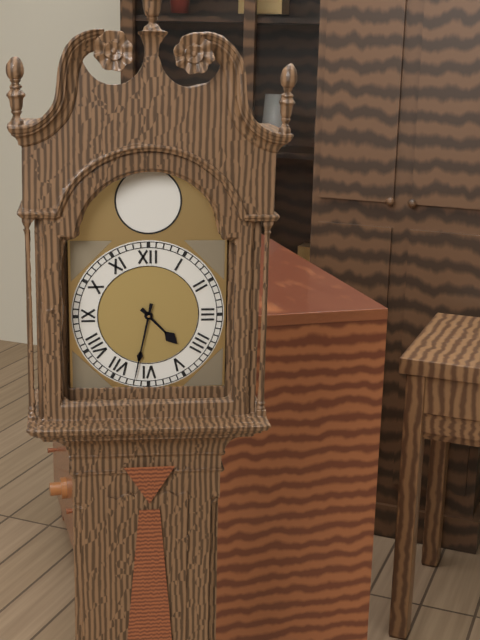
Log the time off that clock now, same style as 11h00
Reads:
4h32
